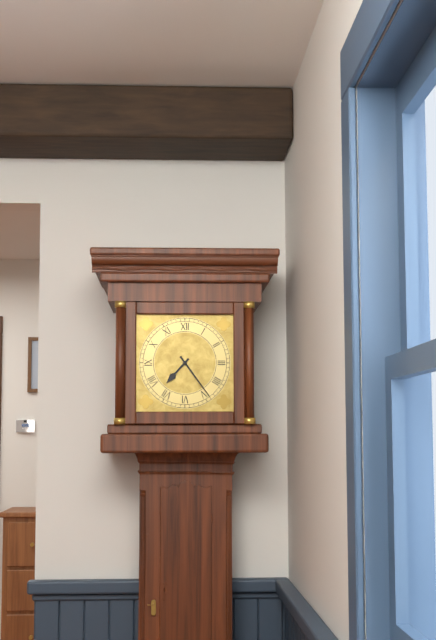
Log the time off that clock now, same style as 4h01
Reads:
7h24
